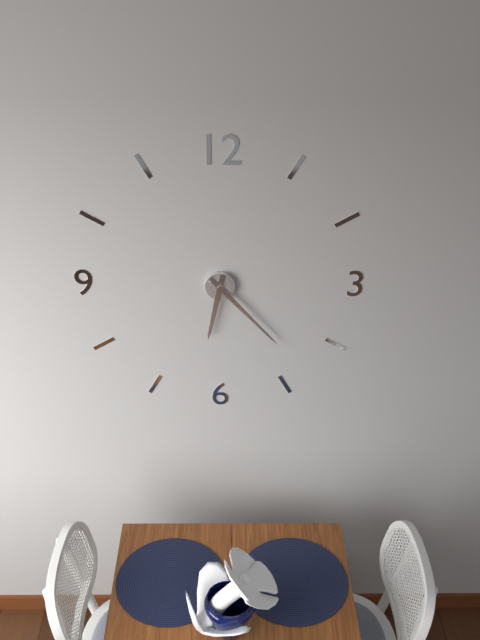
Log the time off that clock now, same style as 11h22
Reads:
6h23
